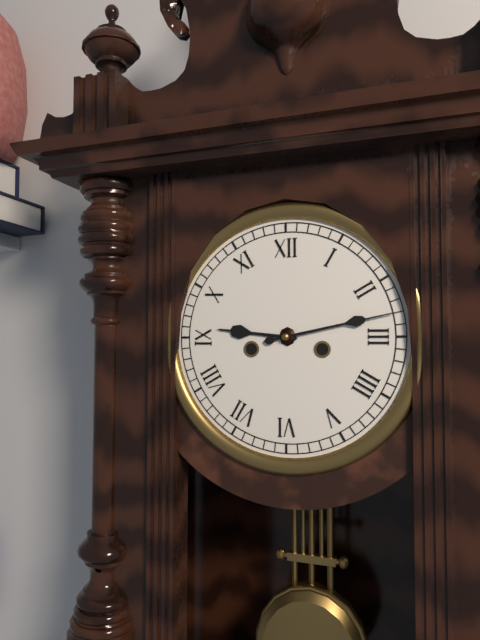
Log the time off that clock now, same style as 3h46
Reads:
9h13
